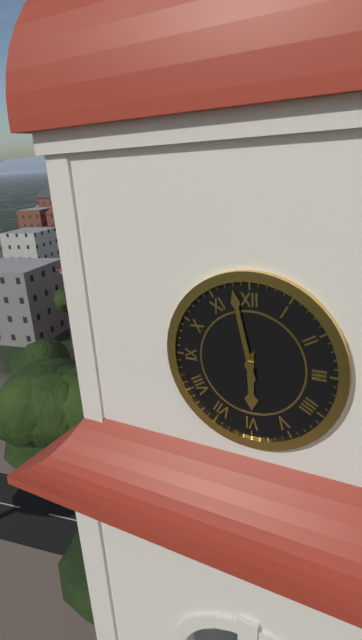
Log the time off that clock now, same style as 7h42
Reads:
5h58
